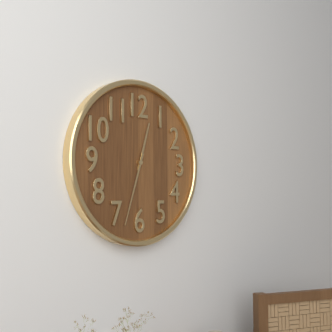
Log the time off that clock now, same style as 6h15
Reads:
12h33
